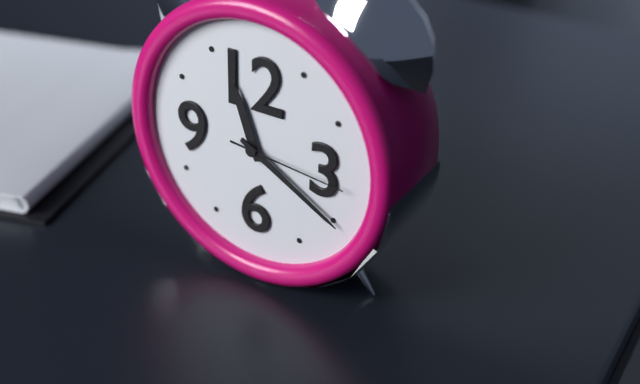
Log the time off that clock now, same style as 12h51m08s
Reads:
11h20m16s
